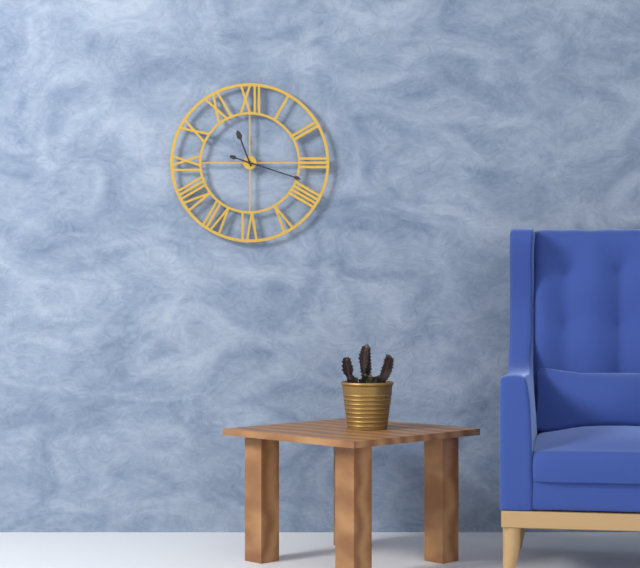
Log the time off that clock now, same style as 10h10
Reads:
11h18
